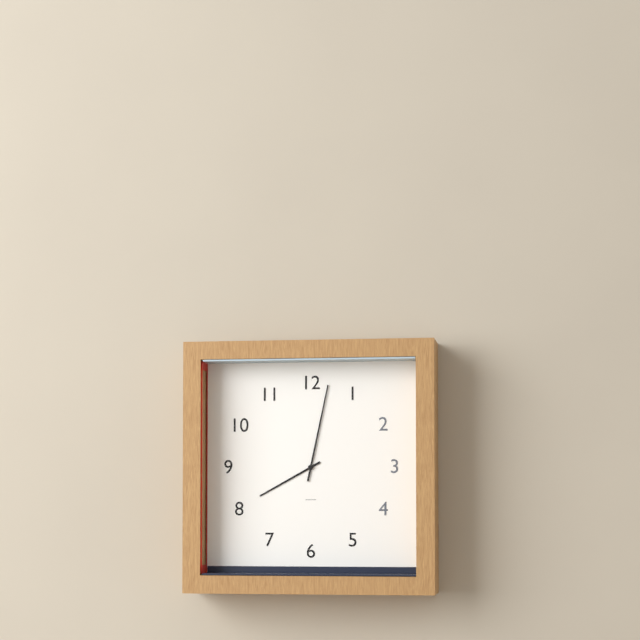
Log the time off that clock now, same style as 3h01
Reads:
8h02
